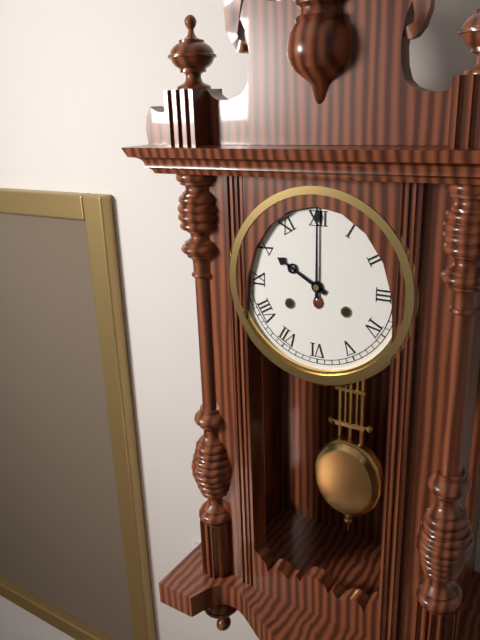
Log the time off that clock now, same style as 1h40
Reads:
10h00
